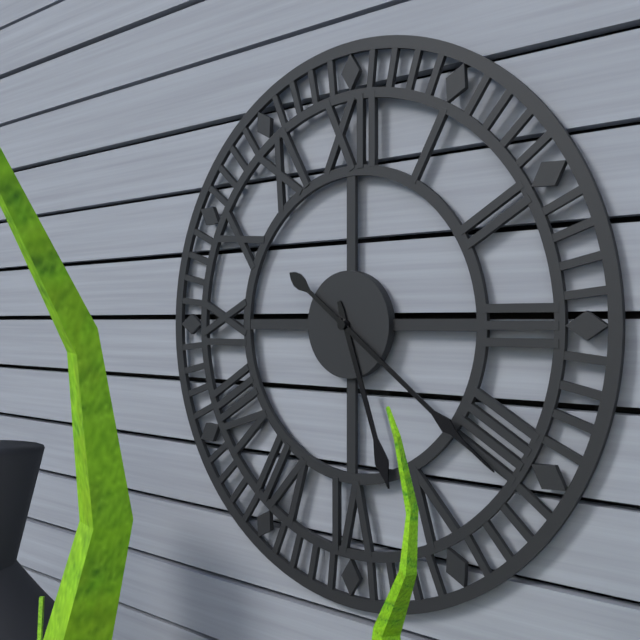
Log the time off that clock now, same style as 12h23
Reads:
5h21
